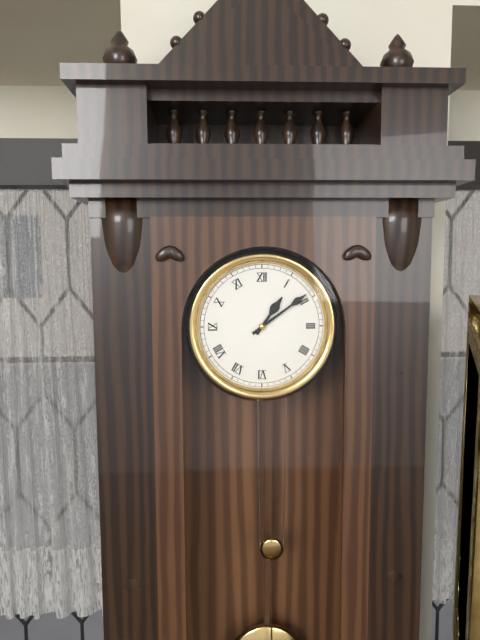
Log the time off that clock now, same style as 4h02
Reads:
1h09
